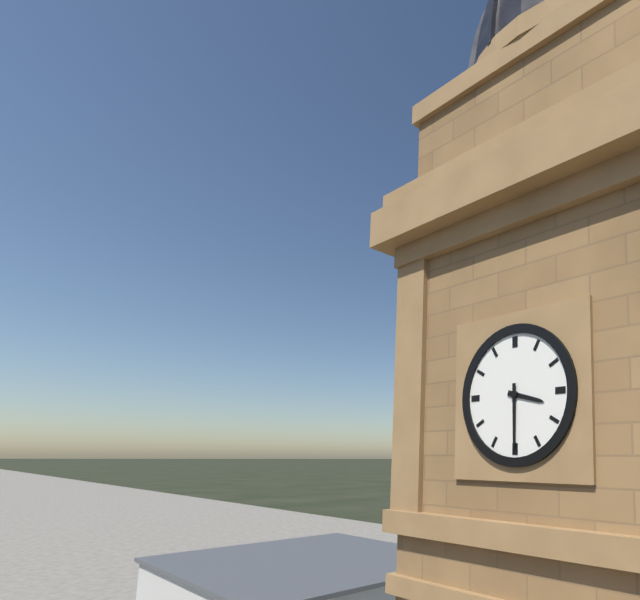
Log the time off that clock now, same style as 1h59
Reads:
3h30
